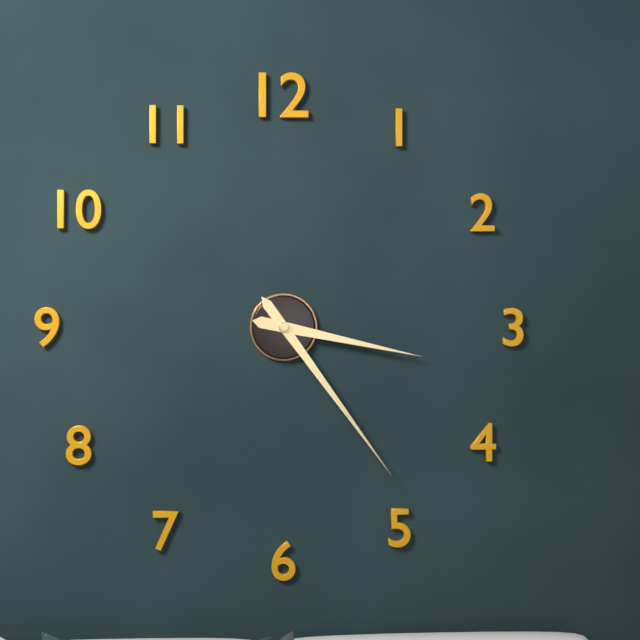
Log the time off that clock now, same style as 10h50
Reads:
3h24
